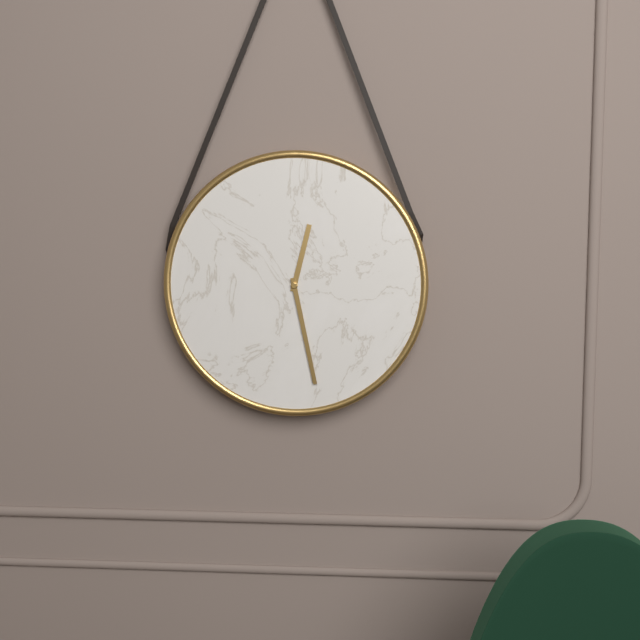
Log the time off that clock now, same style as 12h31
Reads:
12h28
